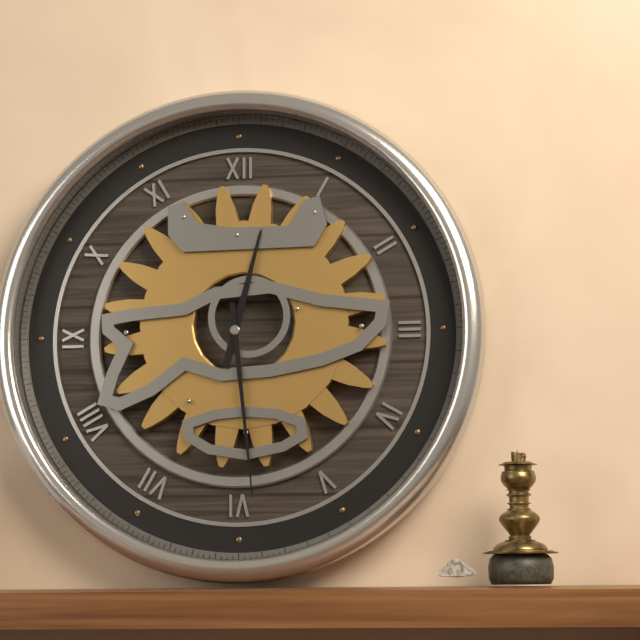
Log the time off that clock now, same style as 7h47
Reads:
12h29
